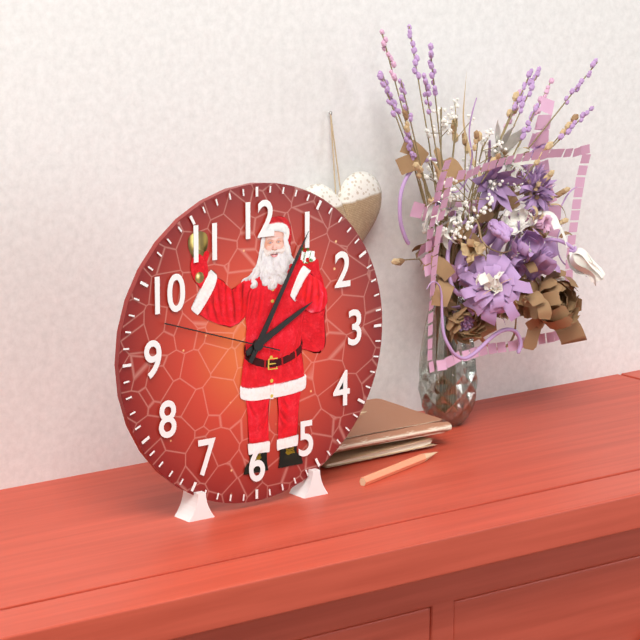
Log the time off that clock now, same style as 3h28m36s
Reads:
2h05m48s
